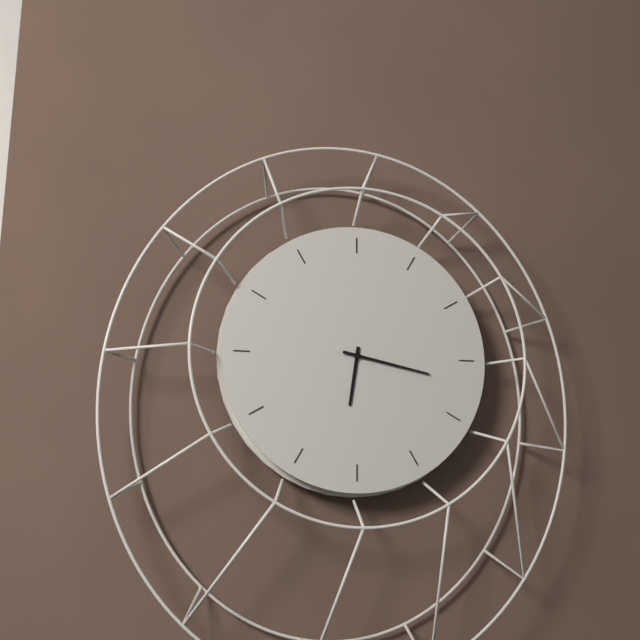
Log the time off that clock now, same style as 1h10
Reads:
6h17
